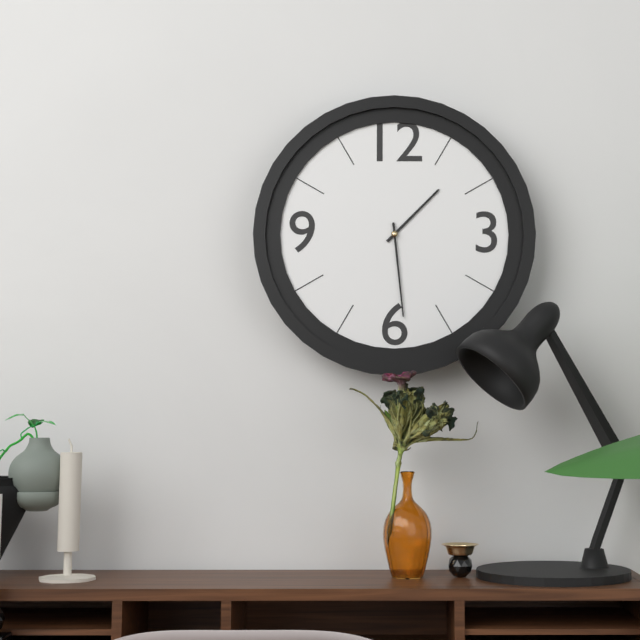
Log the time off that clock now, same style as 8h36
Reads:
1h29
